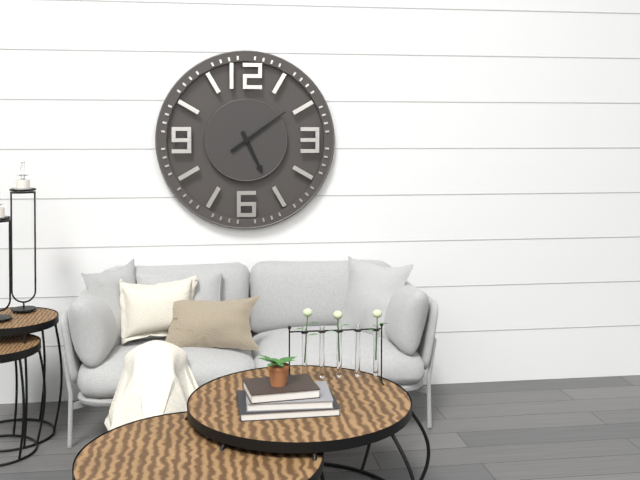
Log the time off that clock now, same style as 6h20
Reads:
5h09
